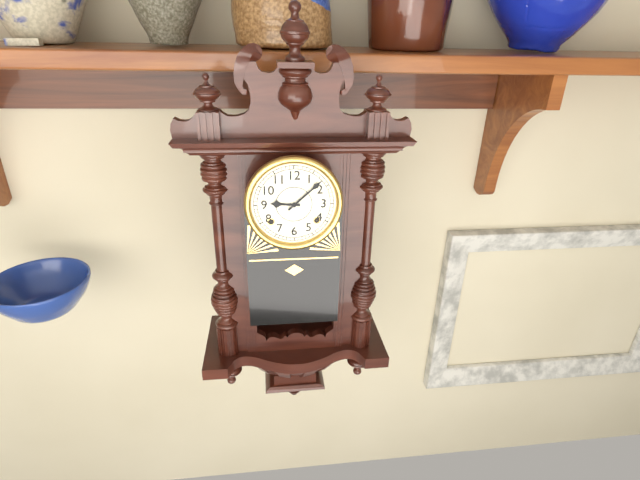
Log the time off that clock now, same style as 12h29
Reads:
9h08
